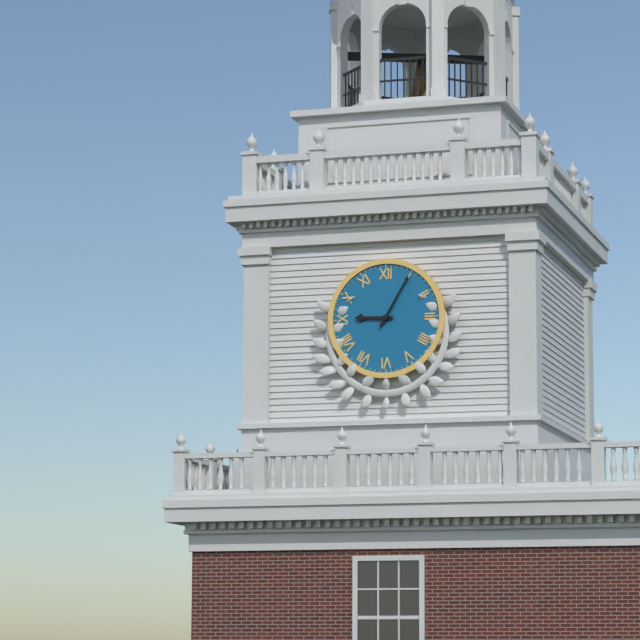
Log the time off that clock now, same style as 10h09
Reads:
9h05
